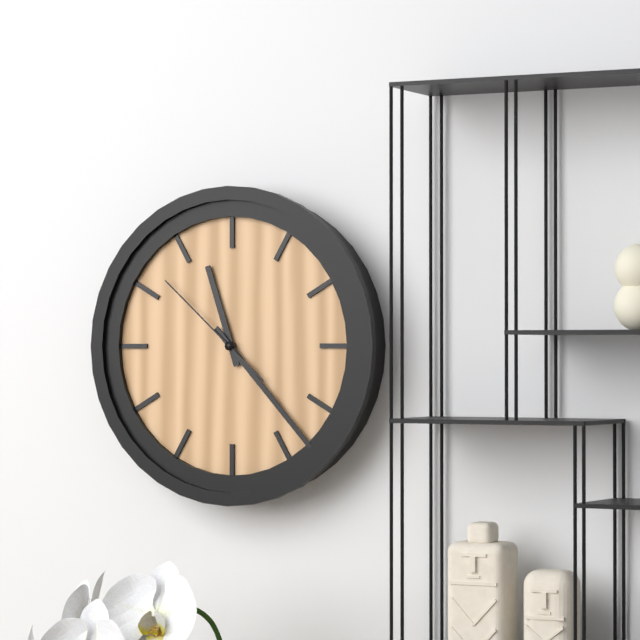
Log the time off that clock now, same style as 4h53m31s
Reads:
11h23m52s
